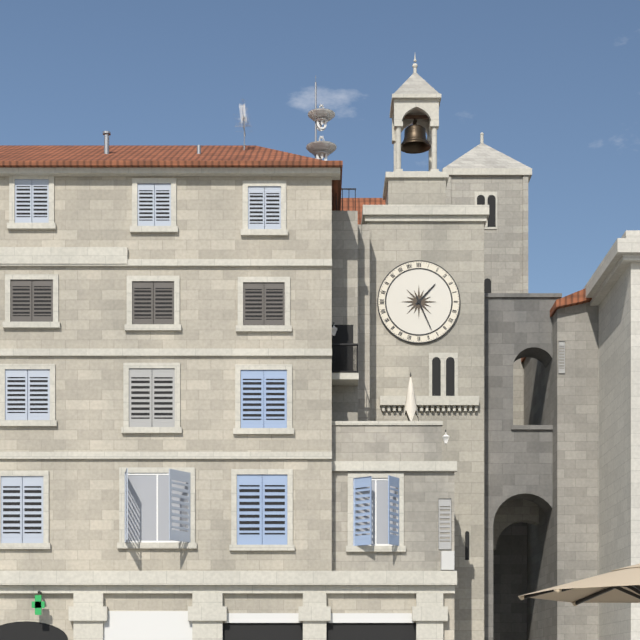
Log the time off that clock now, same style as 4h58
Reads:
1h26
